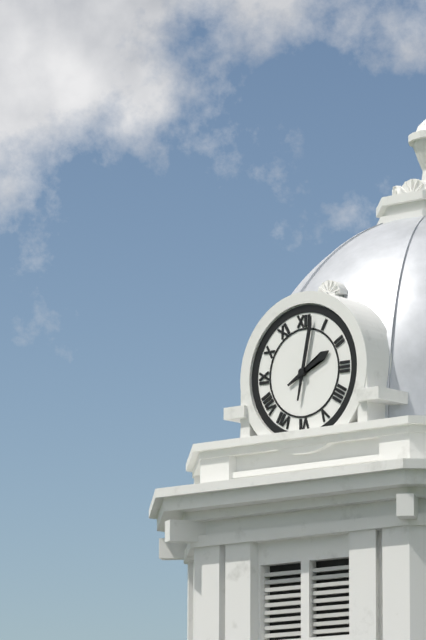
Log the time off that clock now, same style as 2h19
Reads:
2h02
